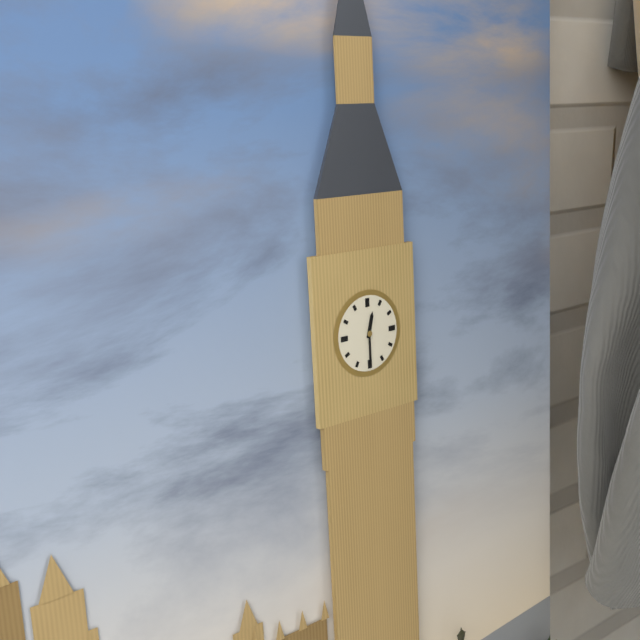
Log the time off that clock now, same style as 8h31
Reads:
12h30
